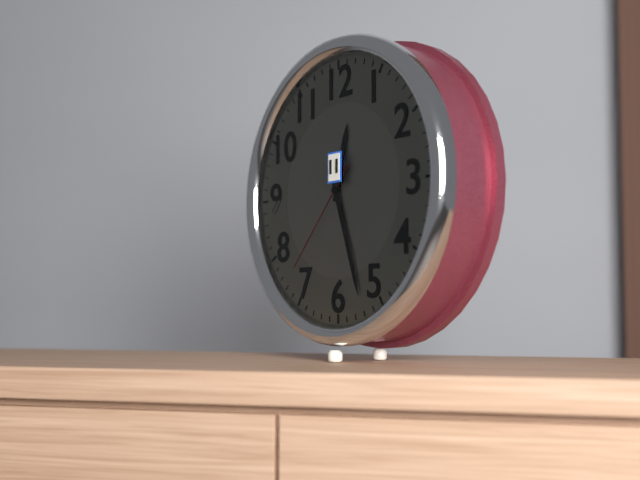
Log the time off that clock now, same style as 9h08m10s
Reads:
12h27m37s
